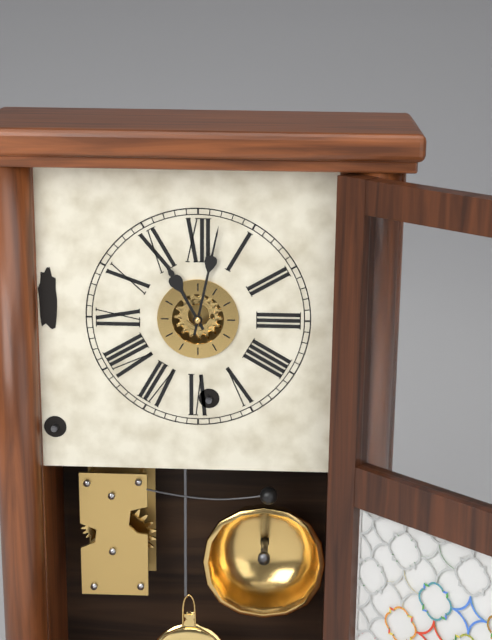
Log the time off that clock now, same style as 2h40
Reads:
11h02
